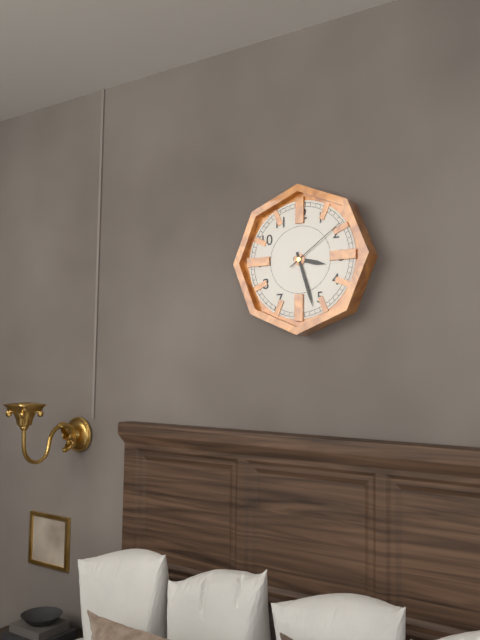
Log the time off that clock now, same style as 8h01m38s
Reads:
3h27m09s
